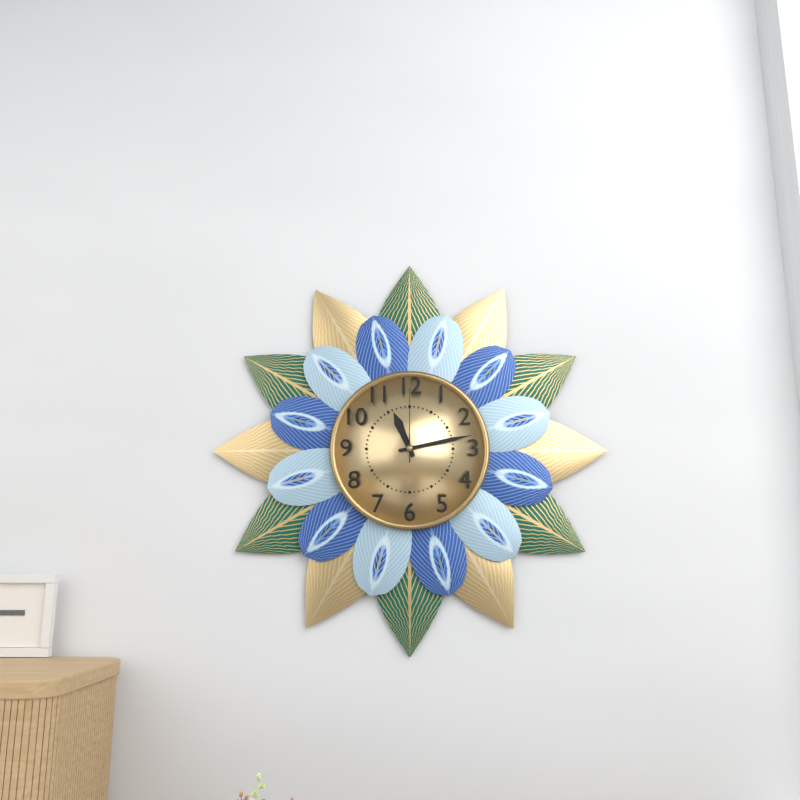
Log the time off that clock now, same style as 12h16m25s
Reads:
11h13m00s
